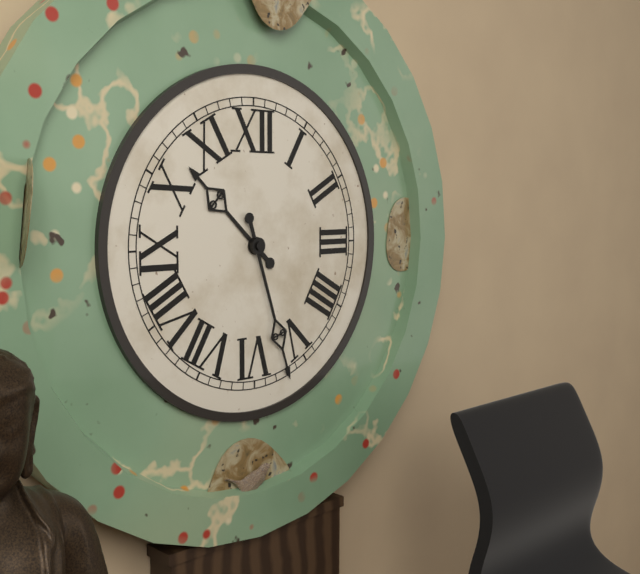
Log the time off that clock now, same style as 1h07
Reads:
10h27
